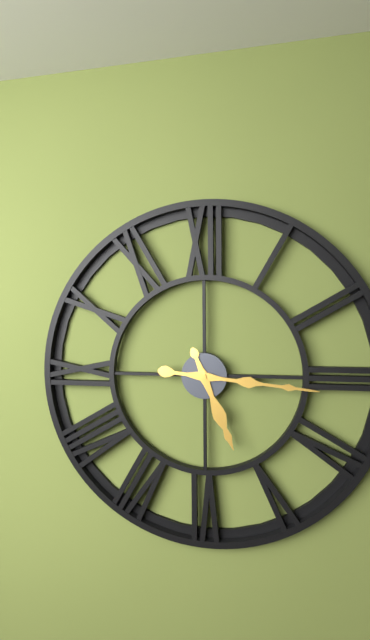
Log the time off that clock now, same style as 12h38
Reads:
5h16
